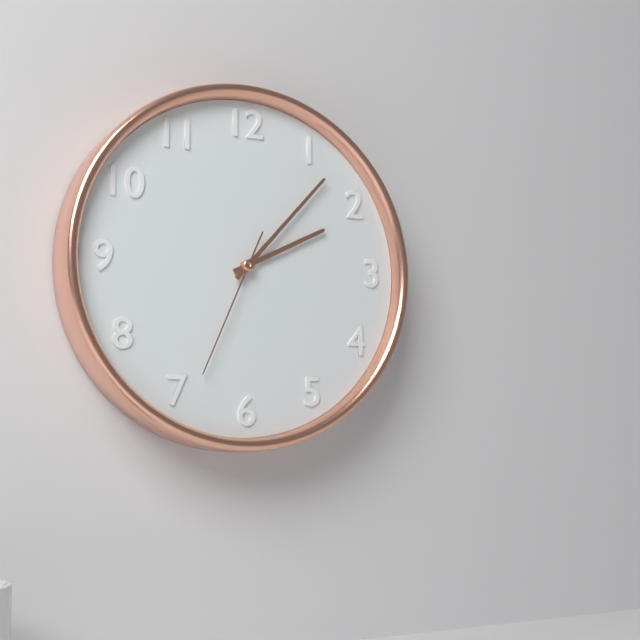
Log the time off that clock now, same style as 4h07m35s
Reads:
2h07m34s
